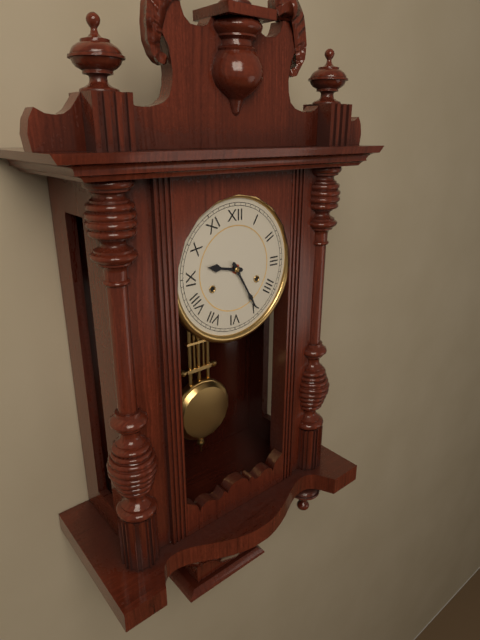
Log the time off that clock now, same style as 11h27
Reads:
9h25
